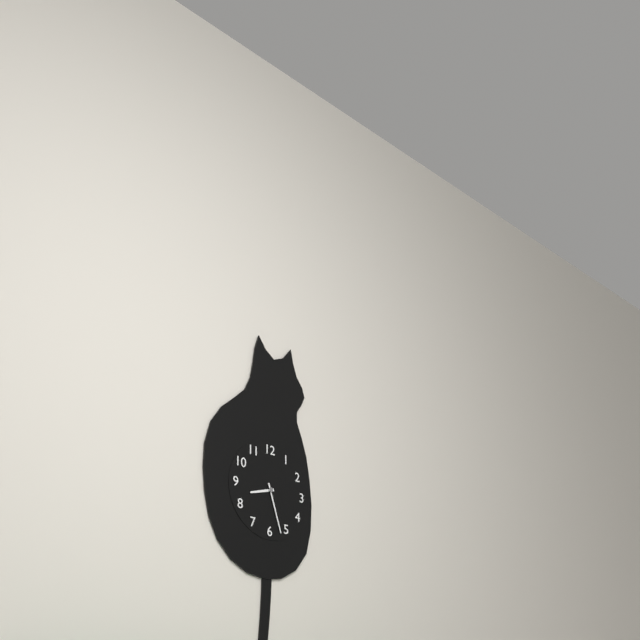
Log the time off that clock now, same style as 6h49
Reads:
8h27
